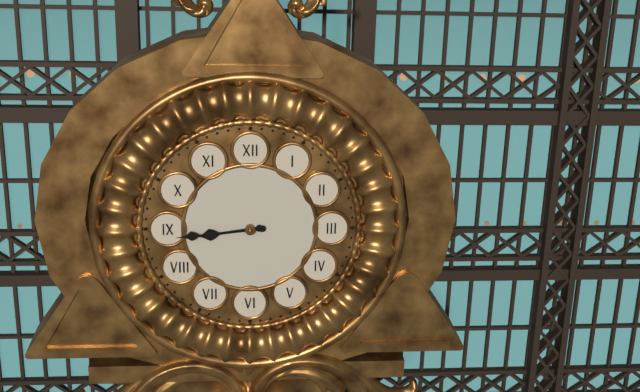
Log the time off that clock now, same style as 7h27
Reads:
8h44
